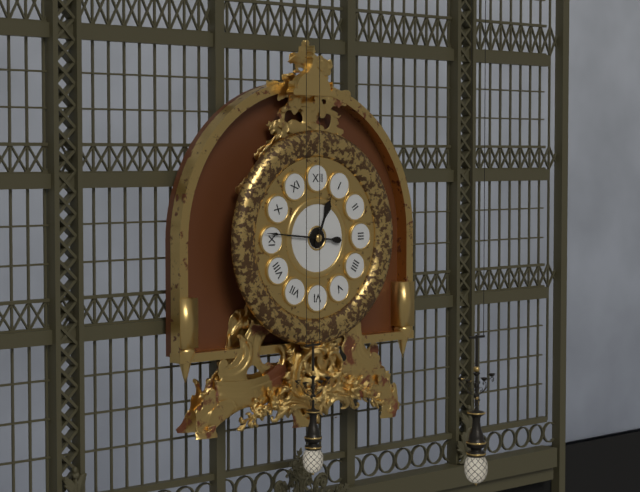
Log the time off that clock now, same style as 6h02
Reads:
12h46
